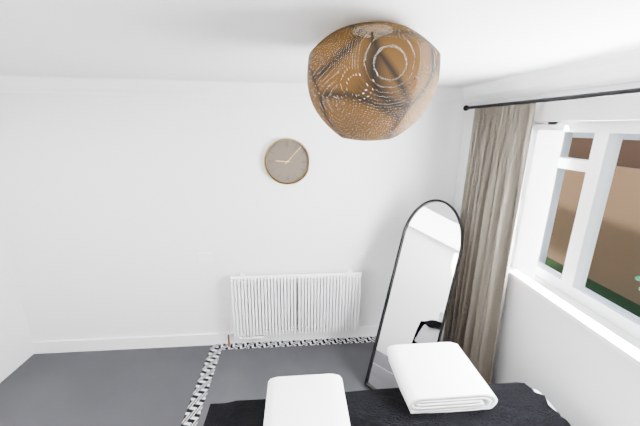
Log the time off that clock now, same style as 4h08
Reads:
9h07
